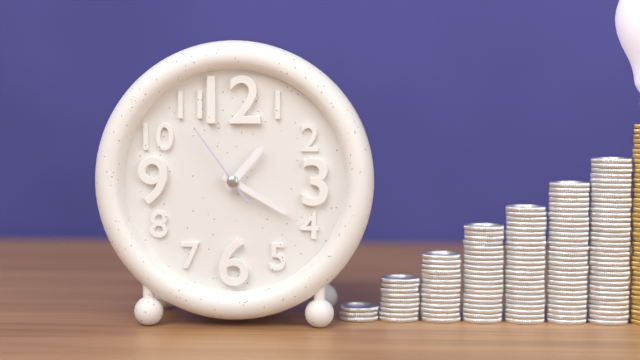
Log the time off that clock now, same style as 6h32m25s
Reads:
1h20m54s
